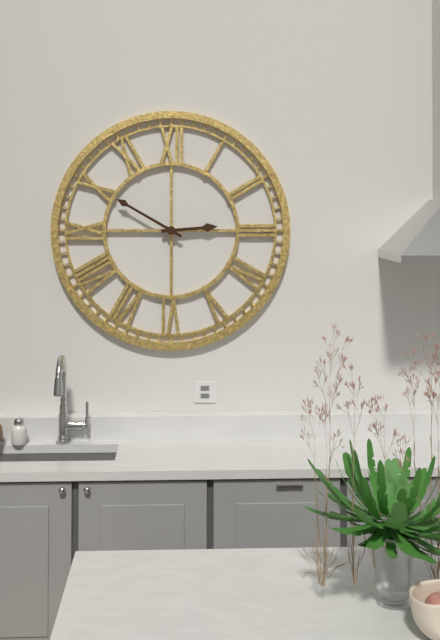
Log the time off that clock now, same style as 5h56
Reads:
2h50
